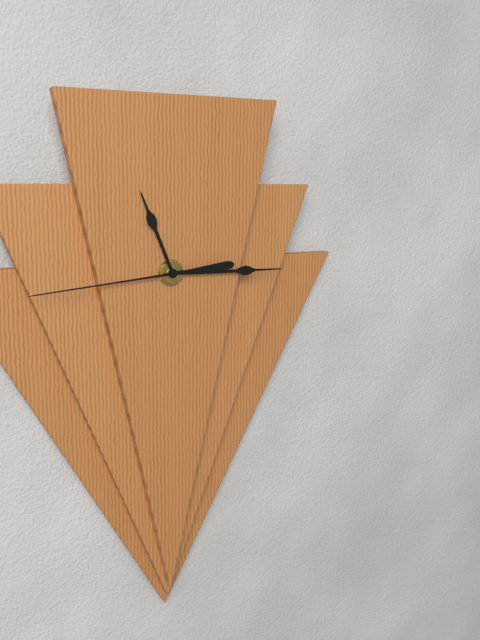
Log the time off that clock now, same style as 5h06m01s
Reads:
11h15m44s
